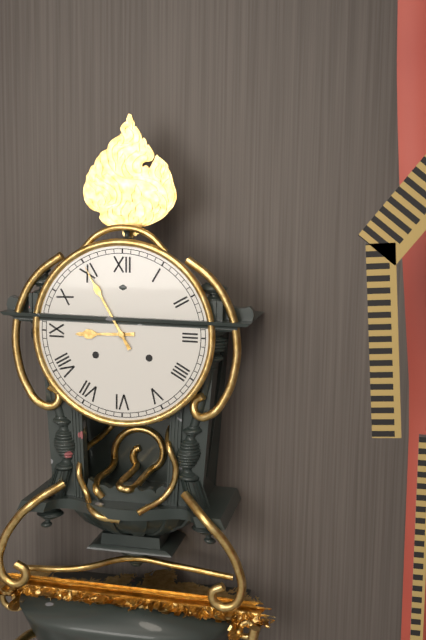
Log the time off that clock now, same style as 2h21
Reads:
8h55
